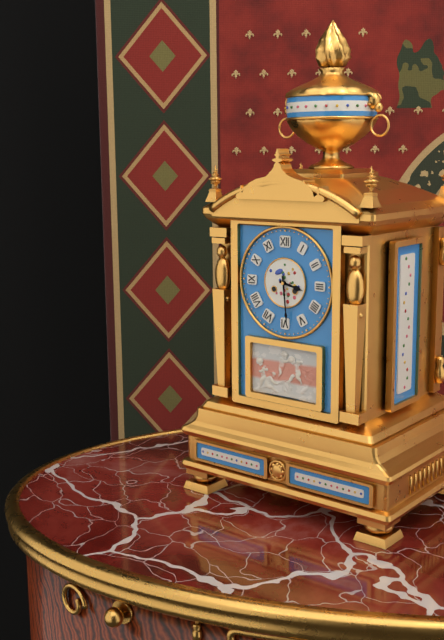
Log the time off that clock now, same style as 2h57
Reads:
3h29
